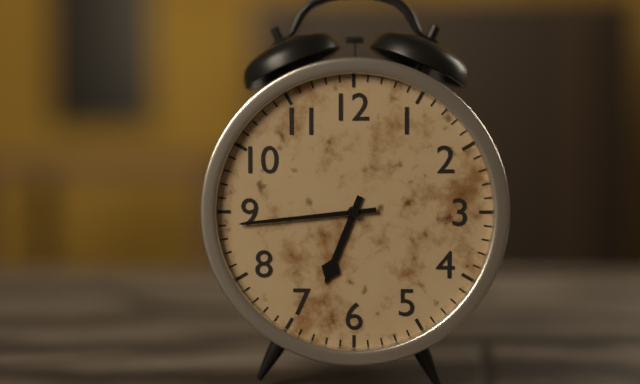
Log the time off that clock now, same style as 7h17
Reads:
6h44
